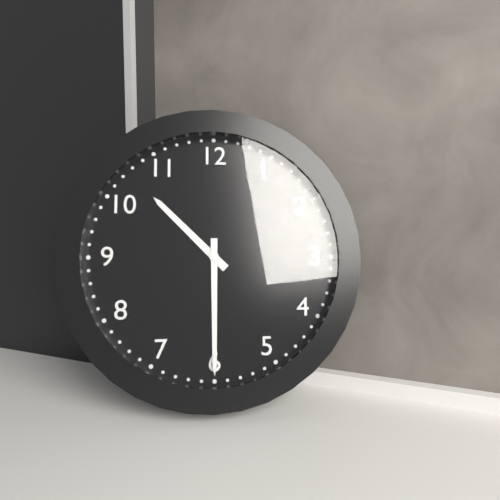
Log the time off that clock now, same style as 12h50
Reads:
10h30
